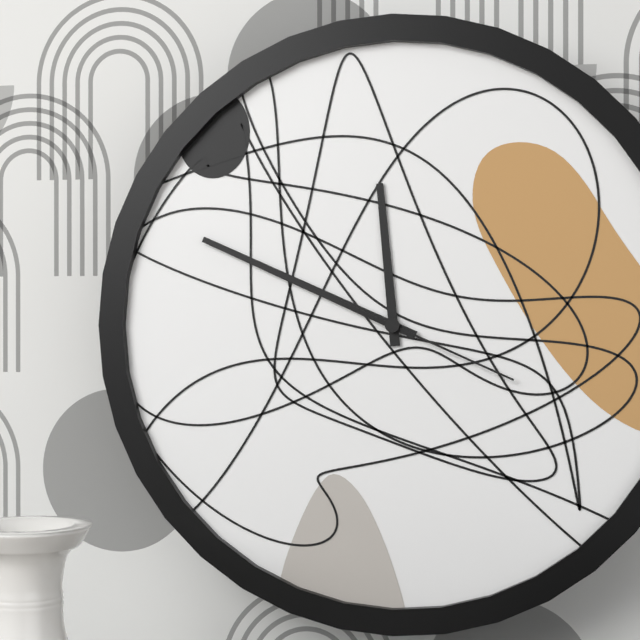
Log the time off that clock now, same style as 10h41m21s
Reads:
11h49m19s
